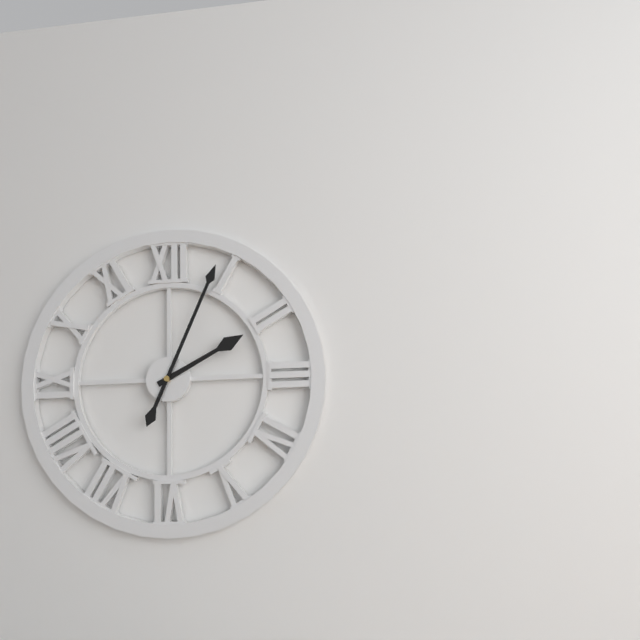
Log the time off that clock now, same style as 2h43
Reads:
2h04
